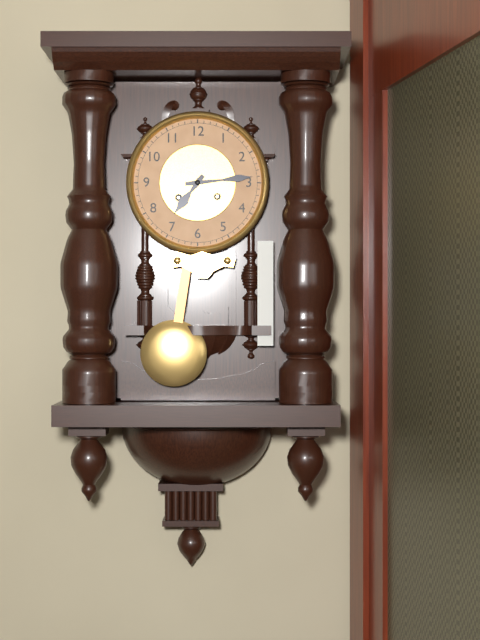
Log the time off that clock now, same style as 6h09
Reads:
7h14
